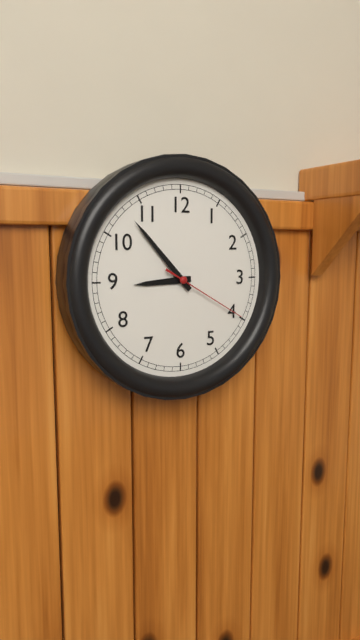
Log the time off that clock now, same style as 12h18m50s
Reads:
8h53m20s
